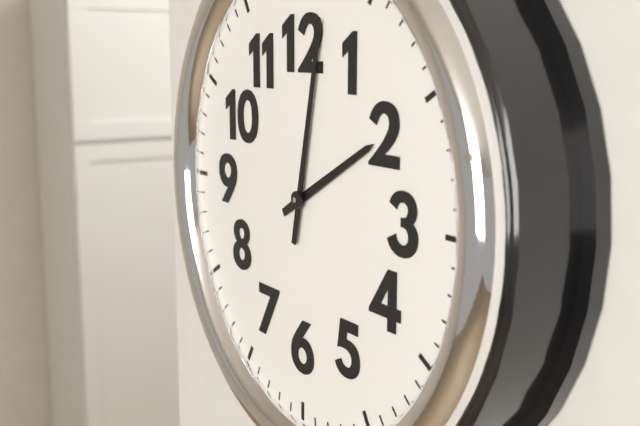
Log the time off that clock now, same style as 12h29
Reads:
2h02
